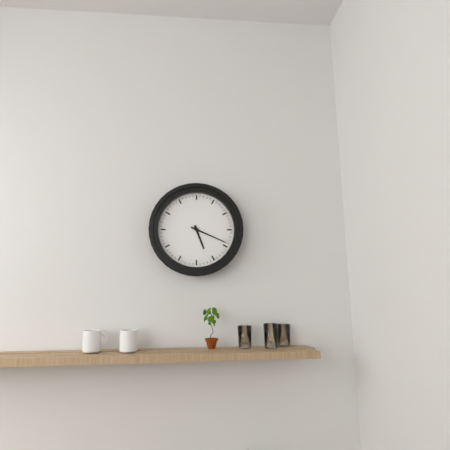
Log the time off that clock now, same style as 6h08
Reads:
5h19
